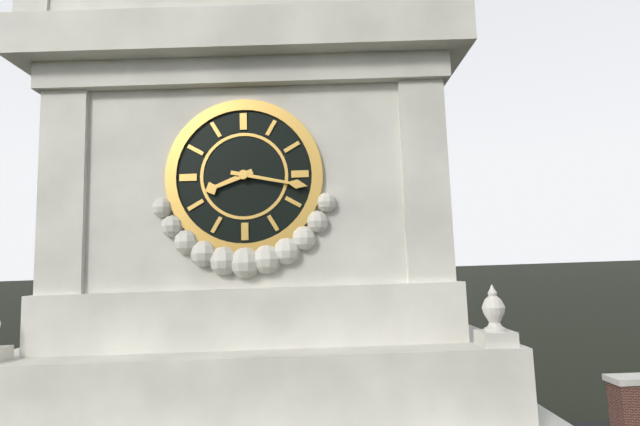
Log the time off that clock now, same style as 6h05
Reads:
8h17
